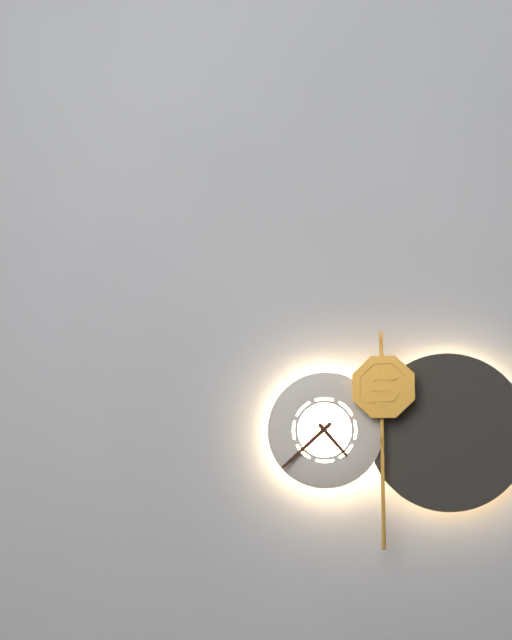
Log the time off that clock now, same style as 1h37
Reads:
4h38
